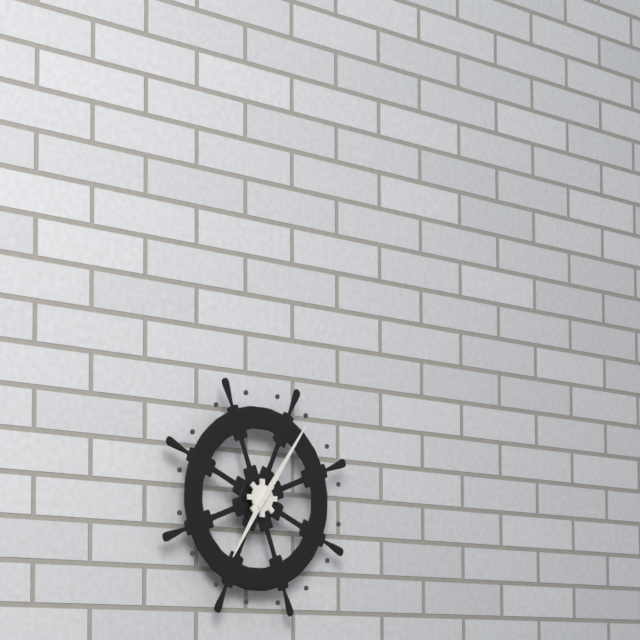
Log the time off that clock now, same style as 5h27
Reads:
7h06
